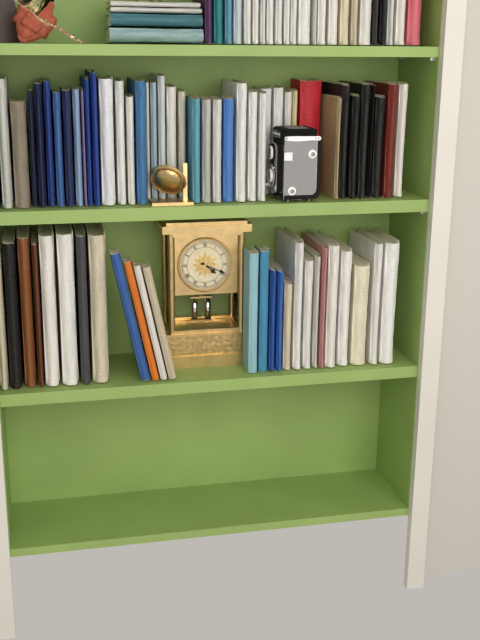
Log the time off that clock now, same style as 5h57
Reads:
4h19
